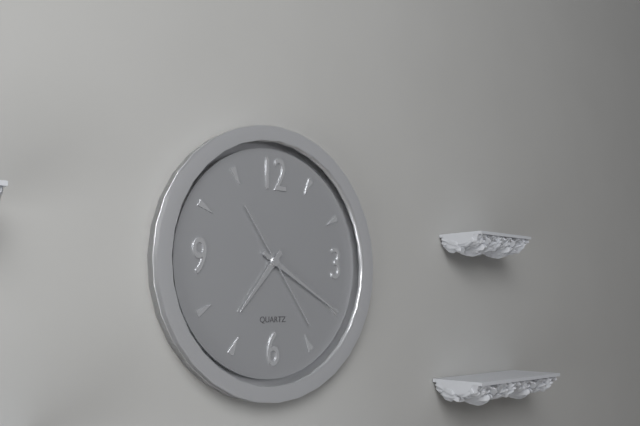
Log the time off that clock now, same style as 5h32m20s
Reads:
7h20m24s
